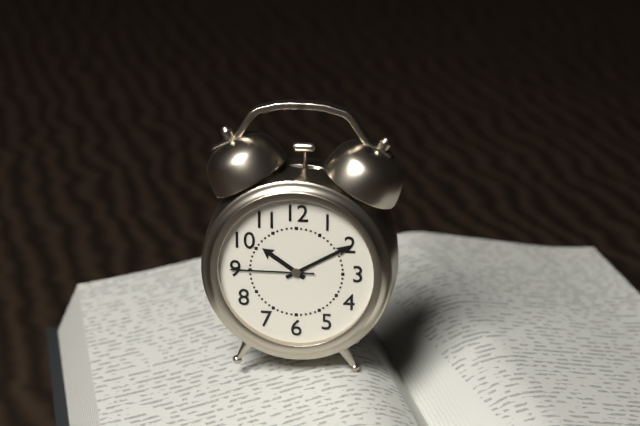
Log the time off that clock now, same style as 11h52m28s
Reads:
10h10m45s
